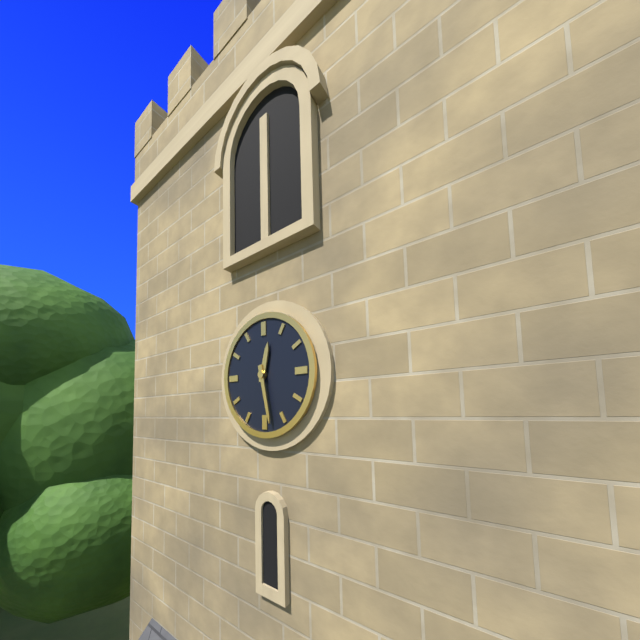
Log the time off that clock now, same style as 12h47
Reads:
12h28
